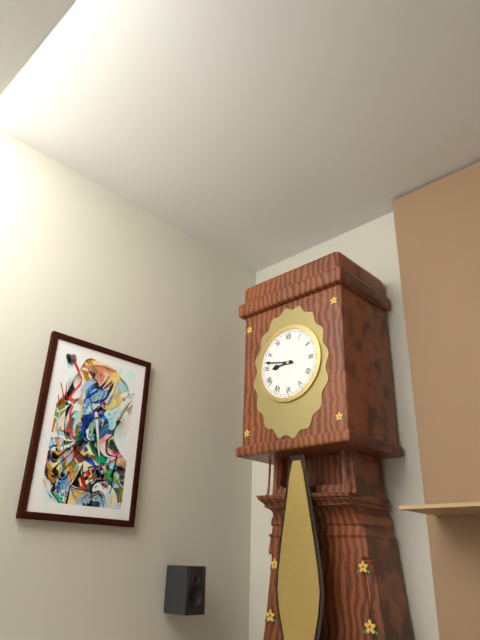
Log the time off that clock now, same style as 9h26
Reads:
8h47
